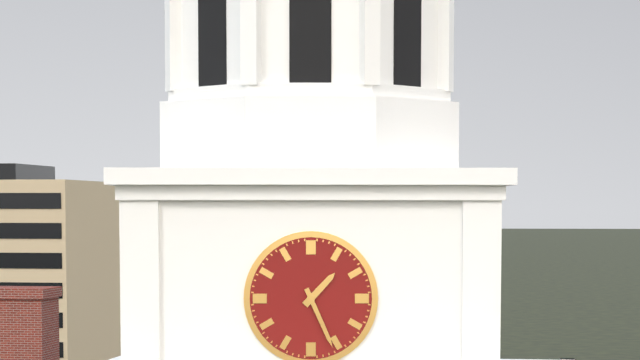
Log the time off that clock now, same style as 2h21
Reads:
1h26
